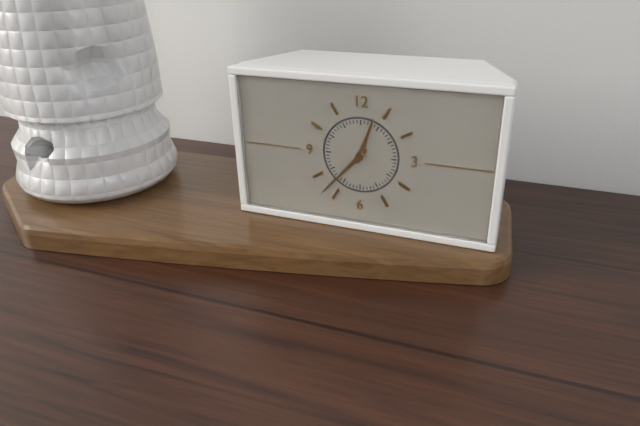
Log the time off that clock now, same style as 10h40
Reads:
12h37
